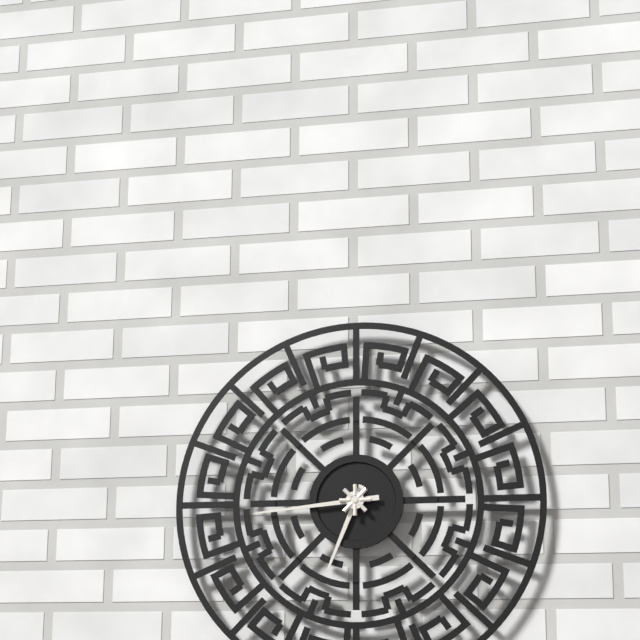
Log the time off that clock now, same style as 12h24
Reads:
6h44
